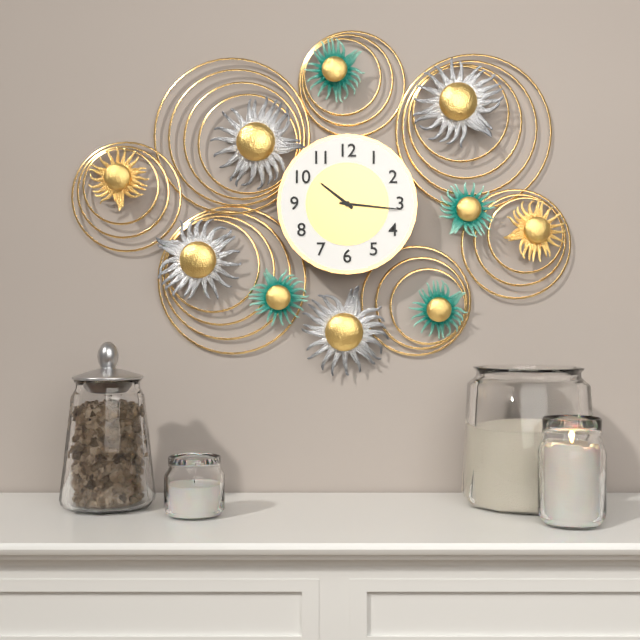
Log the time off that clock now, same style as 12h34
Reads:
10h16
